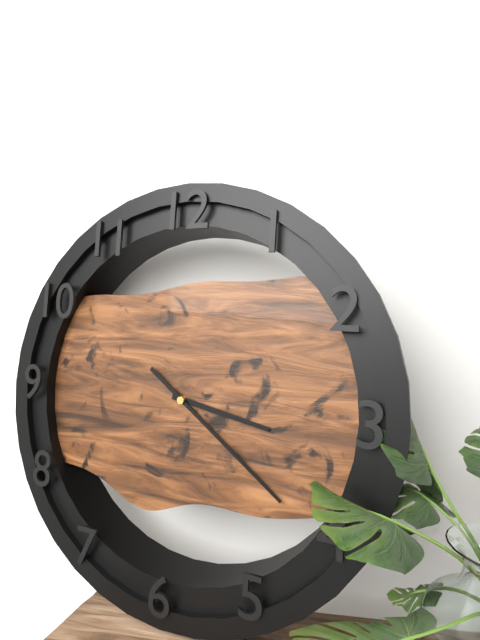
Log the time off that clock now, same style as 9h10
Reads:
3h21
